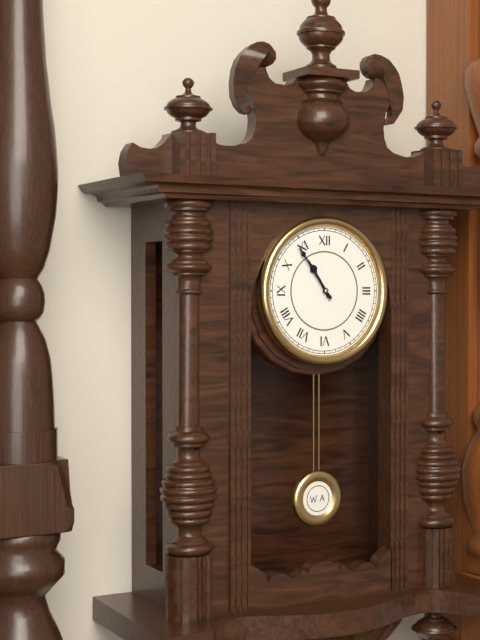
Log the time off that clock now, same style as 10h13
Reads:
10h54
